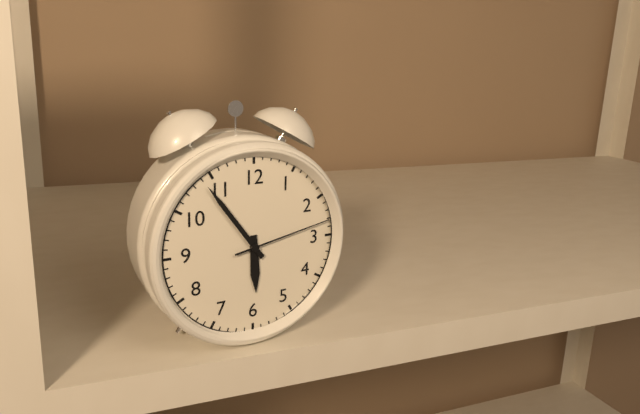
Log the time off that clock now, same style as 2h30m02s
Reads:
5h54m13s
